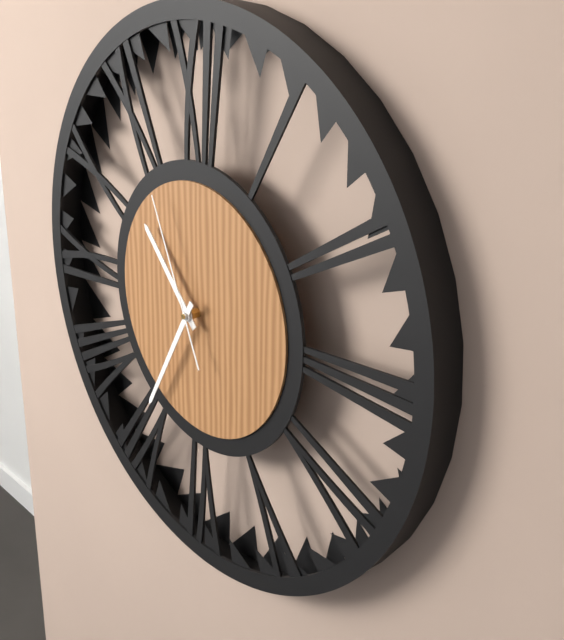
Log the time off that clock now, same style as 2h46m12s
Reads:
10h35m56s
